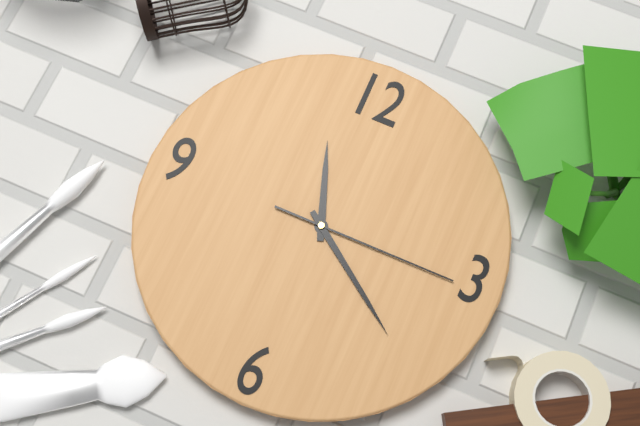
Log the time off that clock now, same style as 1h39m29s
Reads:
11h21m15s
